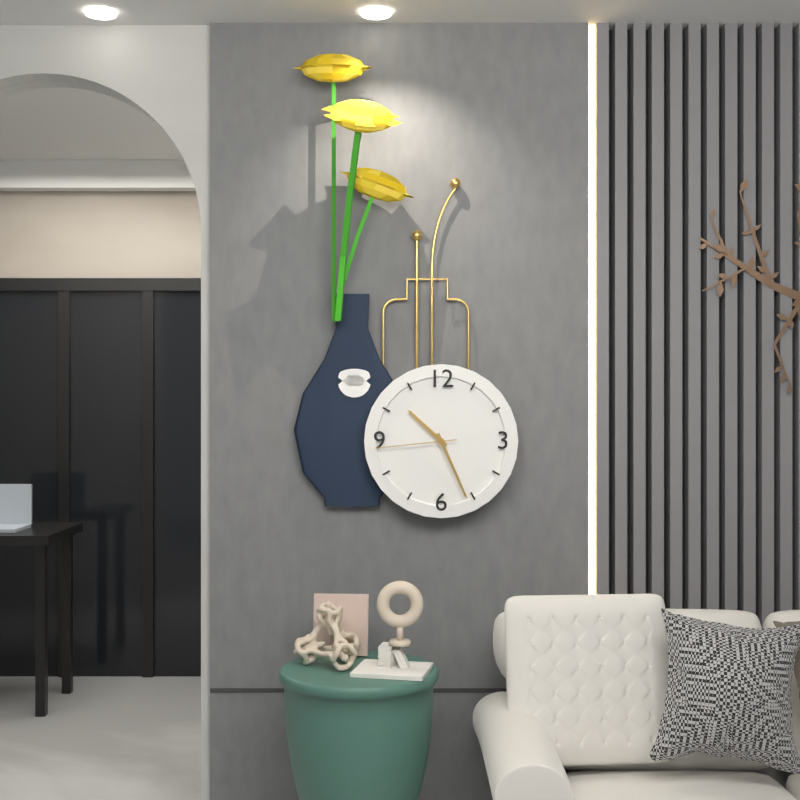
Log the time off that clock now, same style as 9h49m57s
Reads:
10h26m44s
